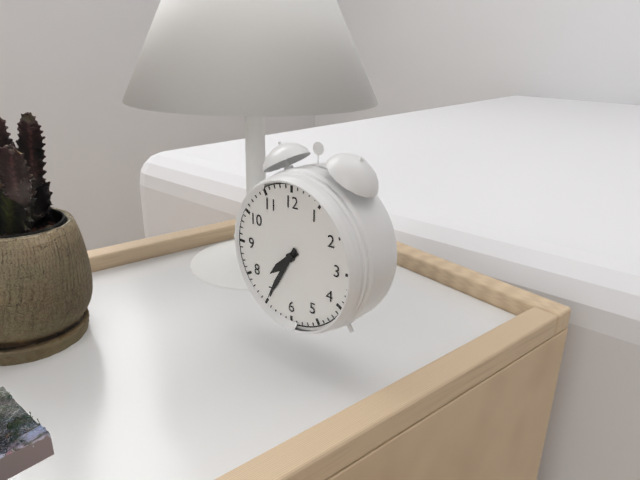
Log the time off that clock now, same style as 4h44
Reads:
7h35
